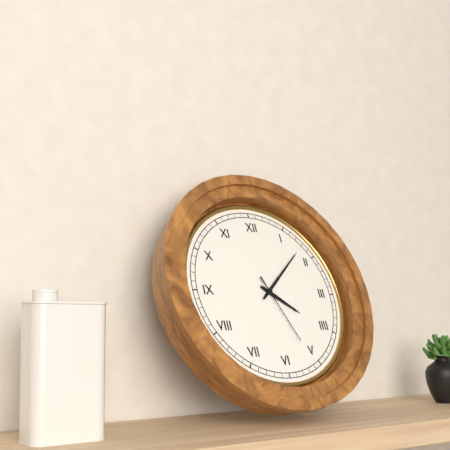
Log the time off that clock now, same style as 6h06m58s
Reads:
4h08m26s
